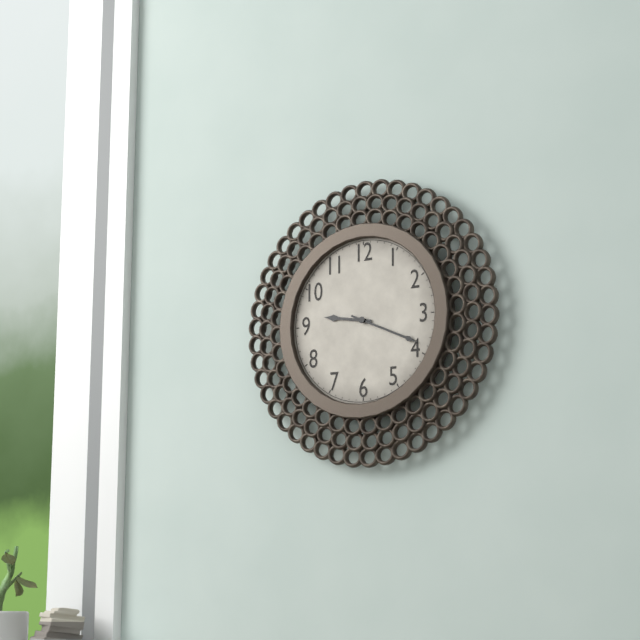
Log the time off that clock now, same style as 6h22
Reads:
9h19
